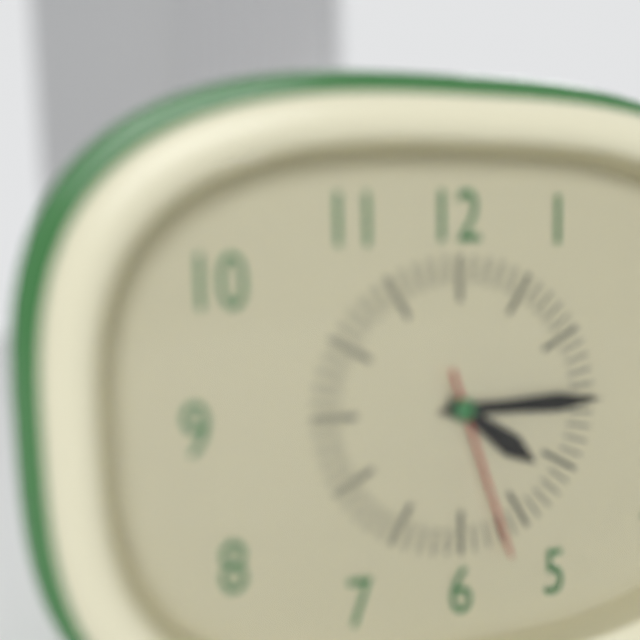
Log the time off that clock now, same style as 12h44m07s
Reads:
4h15m27s
